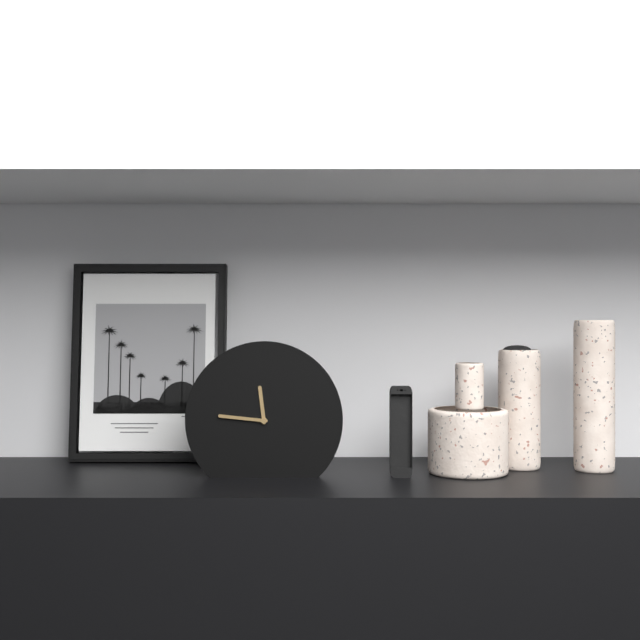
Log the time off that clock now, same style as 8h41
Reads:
11h46
